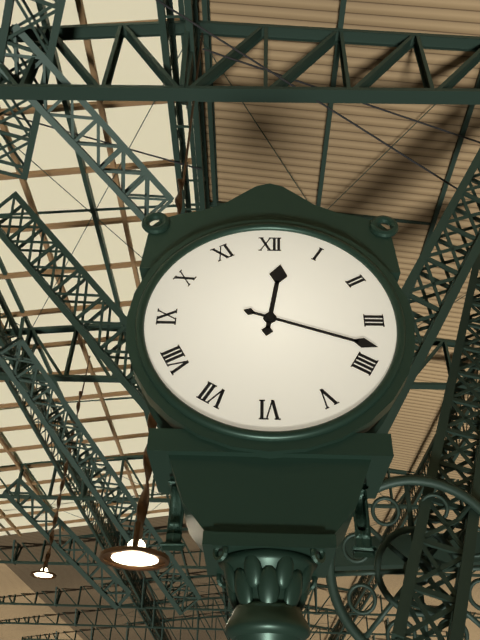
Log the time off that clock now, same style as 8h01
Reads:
12h18
